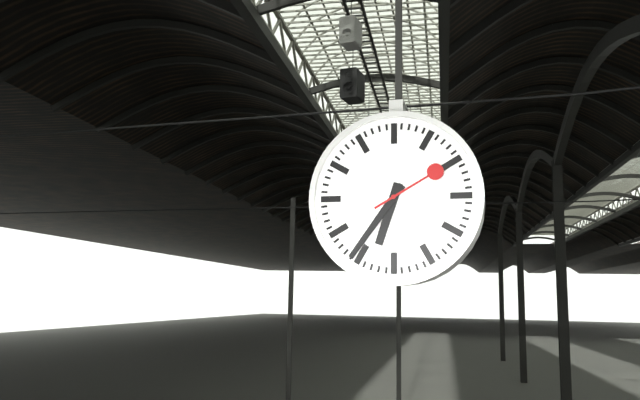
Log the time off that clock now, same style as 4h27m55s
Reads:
6h36m10s
